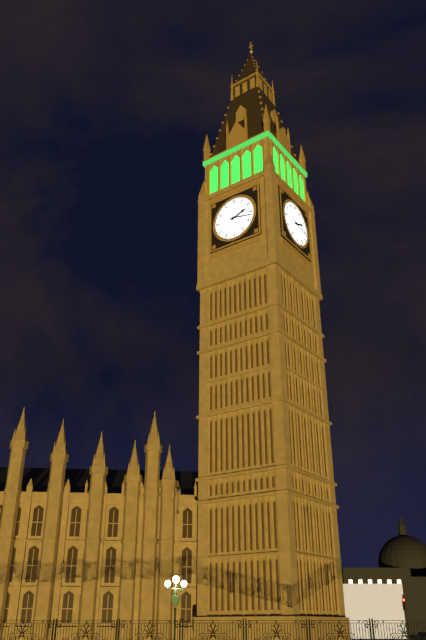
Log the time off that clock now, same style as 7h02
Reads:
2h17
